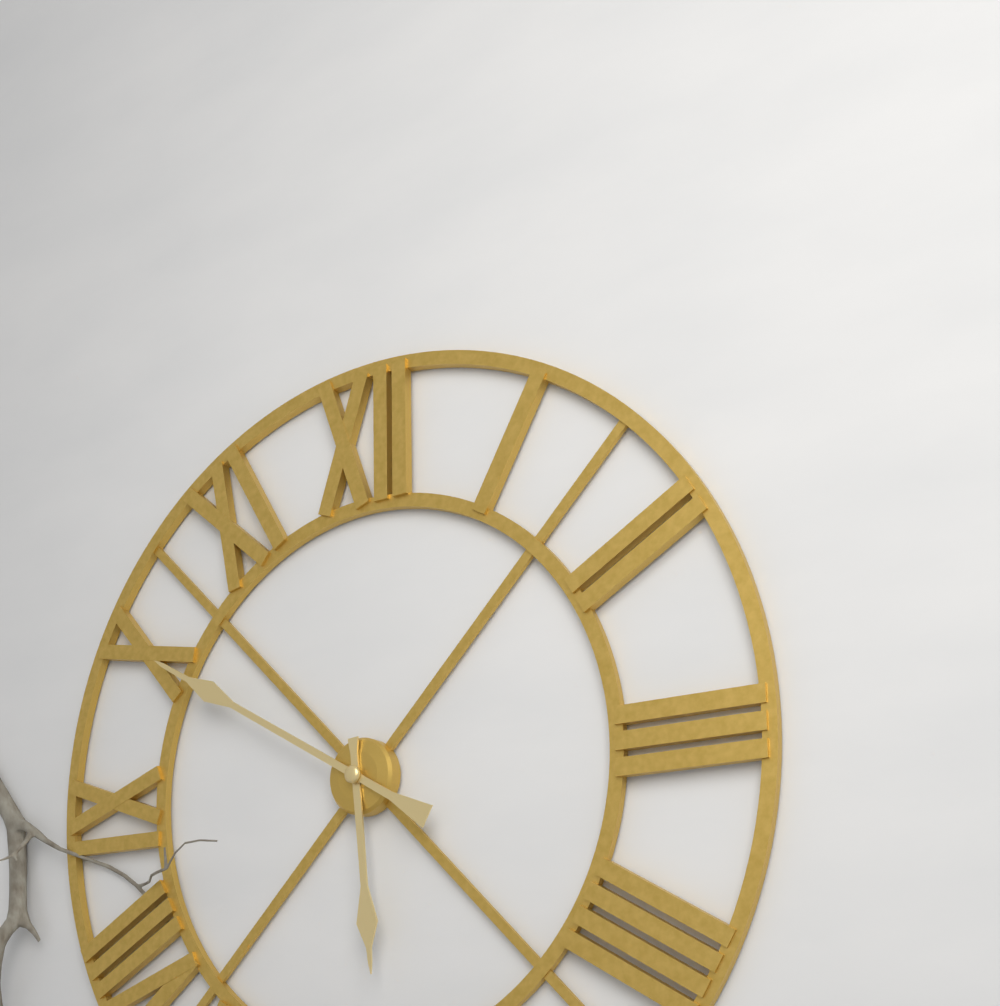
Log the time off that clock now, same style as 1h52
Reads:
5h50
